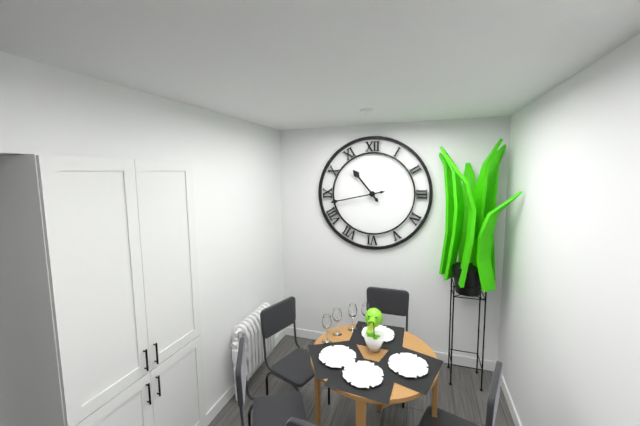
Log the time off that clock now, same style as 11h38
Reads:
10h43
